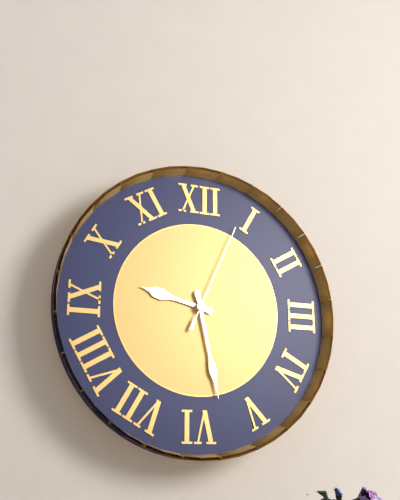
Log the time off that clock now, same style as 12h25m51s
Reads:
9h28m04s
